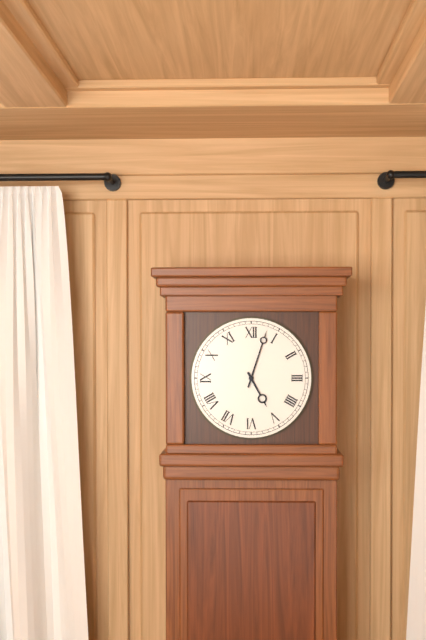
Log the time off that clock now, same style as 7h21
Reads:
5h03
